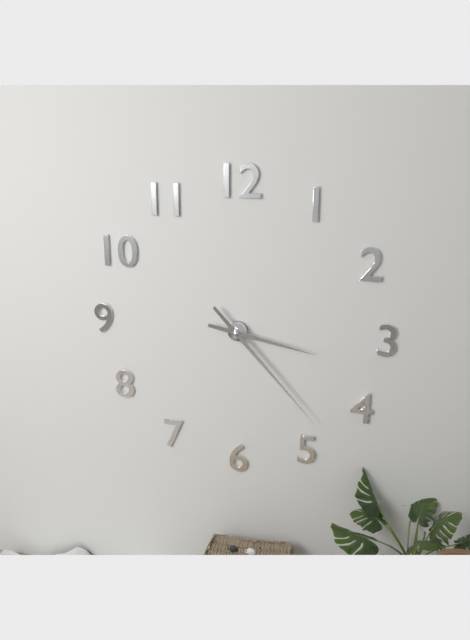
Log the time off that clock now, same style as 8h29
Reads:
3h23
